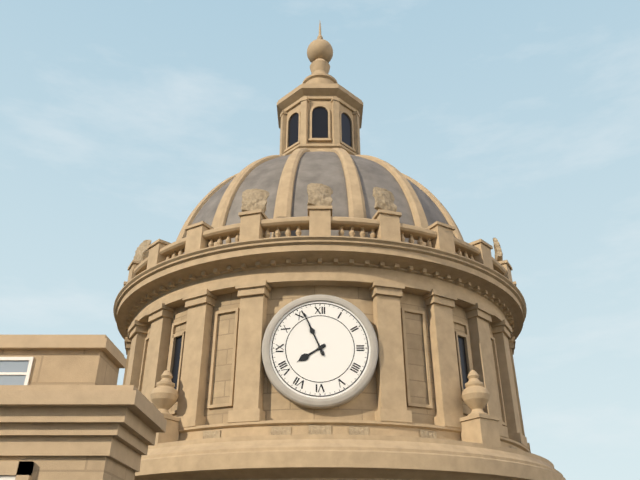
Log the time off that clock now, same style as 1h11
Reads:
7h56
